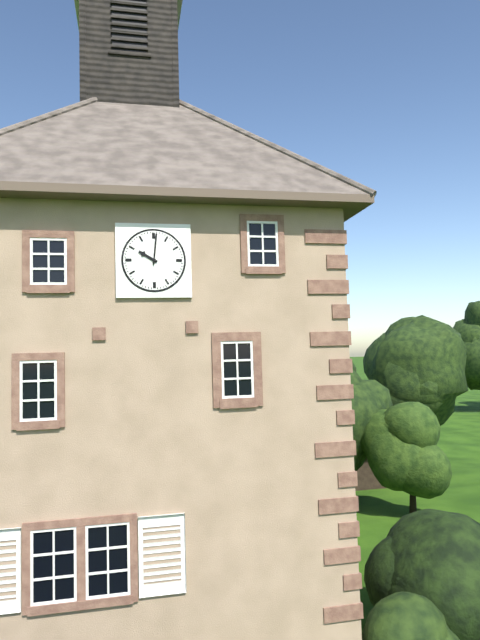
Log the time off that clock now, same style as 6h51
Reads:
10h01
